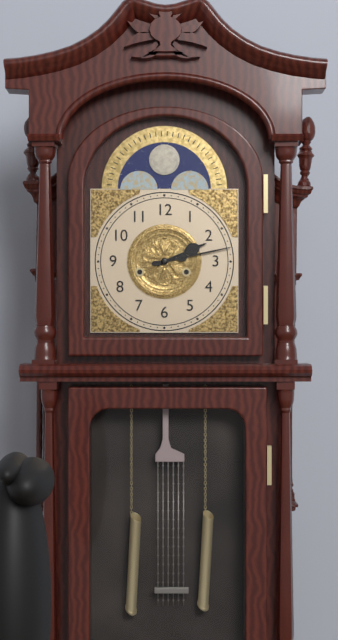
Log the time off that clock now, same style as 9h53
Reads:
2h13
